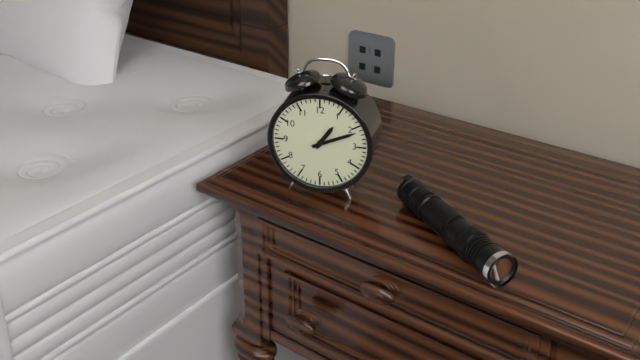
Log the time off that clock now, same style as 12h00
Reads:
1h11
